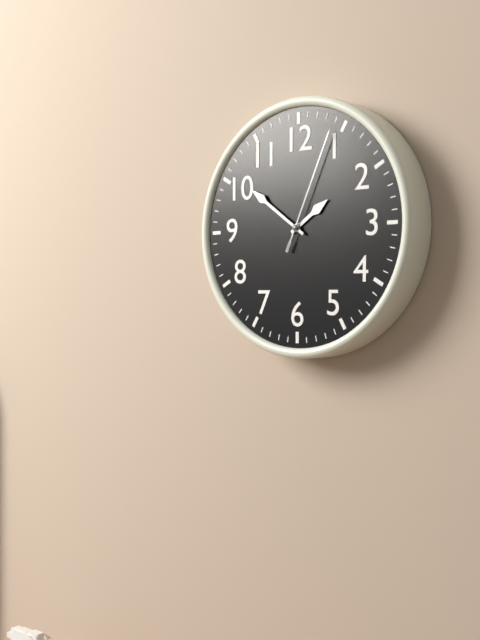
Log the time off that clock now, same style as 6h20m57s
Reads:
1h51m04s
